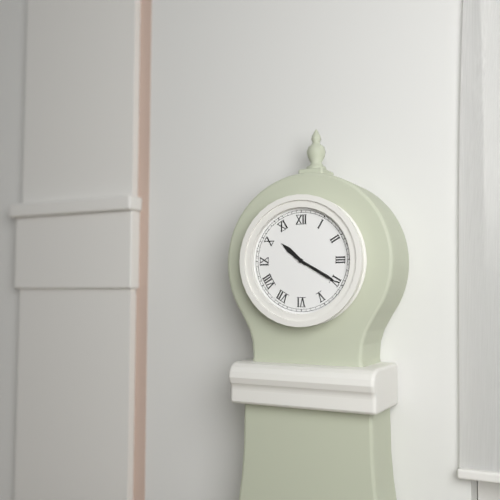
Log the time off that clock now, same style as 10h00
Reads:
10h20
